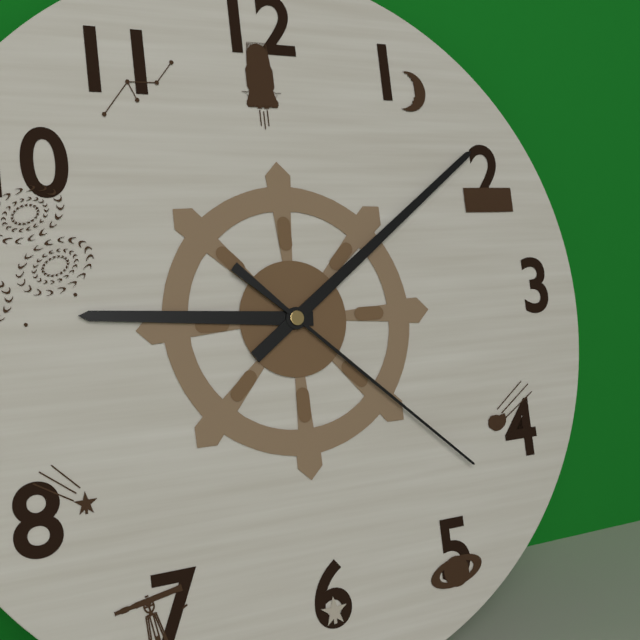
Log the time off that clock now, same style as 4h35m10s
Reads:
9h09m22s
